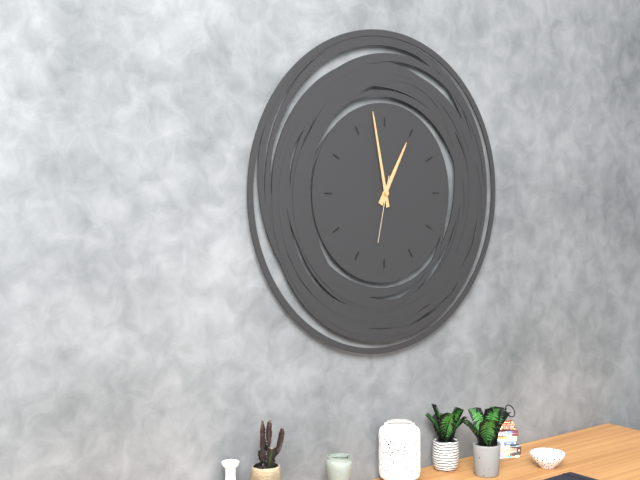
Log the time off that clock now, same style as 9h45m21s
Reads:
12h58m32s
